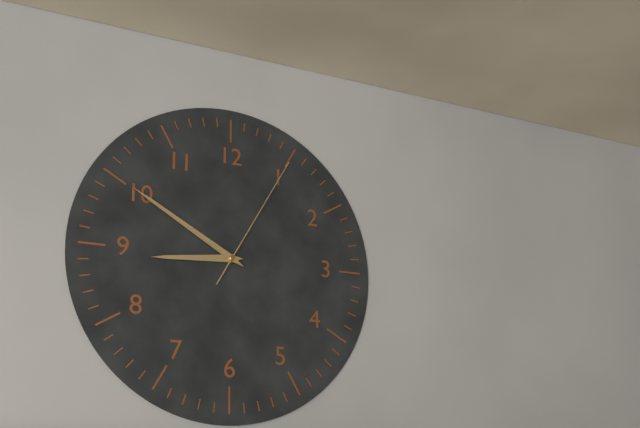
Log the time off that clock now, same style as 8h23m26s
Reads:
8h50m05s
